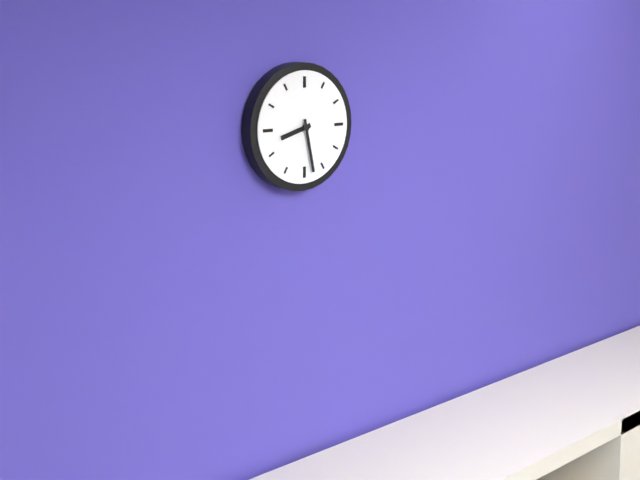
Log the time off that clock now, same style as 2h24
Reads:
8h28
